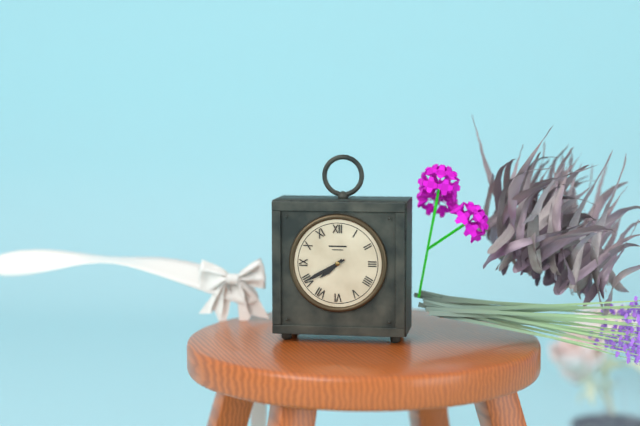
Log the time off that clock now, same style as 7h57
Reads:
7h40
